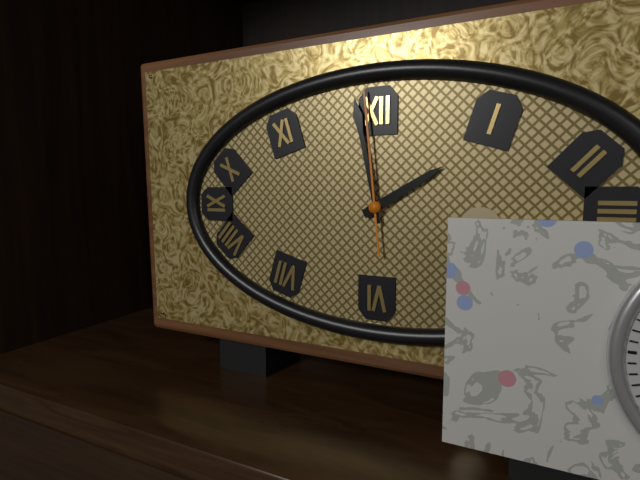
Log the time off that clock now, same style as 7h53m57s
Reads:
1h58m59s
